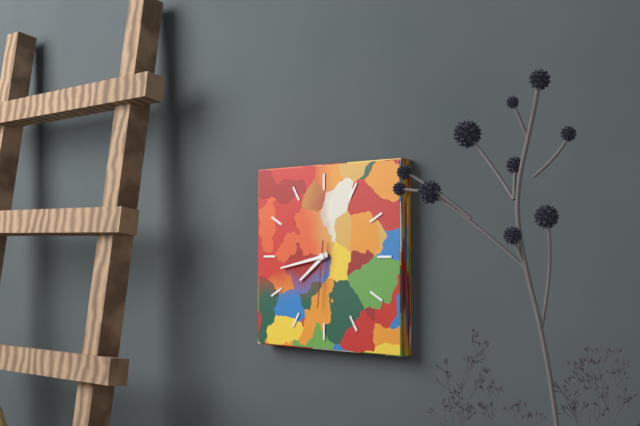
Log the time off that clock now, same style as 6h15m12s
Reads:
7h43m31s
